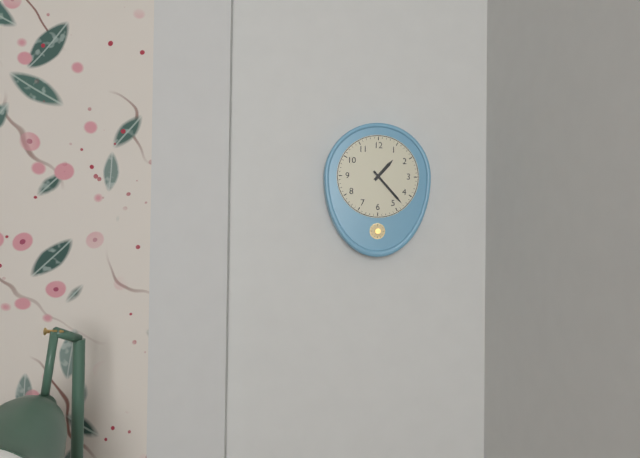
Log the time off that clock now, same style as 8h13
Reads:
1h23
